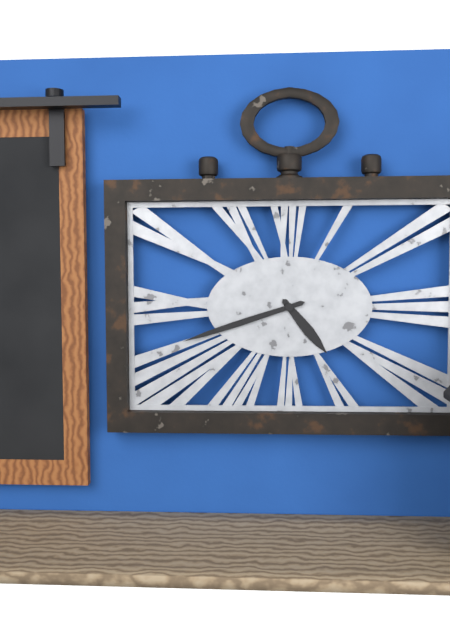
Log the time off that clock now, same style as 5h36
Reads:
4h42
